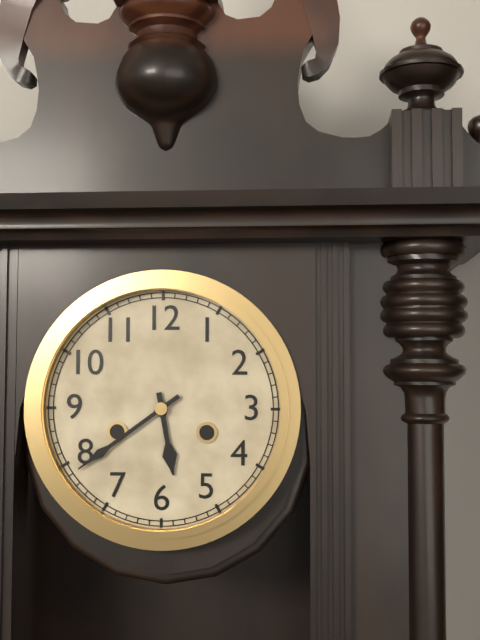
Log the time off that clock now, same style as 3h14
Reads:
5h39
